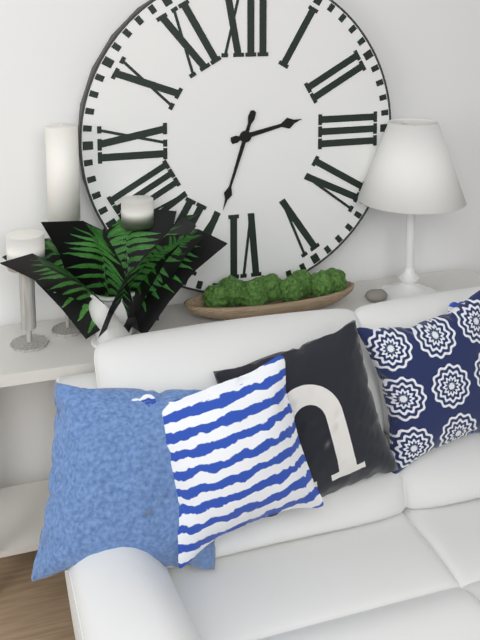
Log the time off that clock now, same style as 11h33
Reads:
2h33
